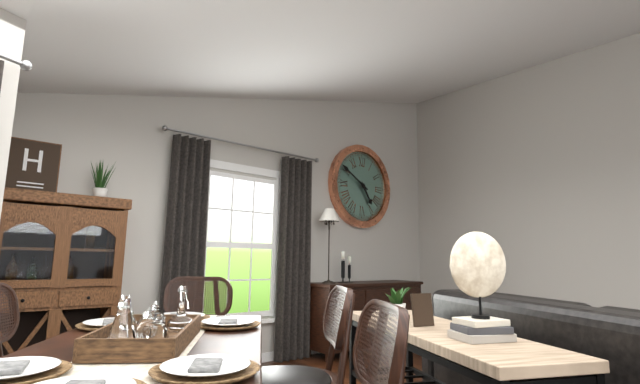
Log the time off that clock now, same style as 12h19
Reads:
4h50
